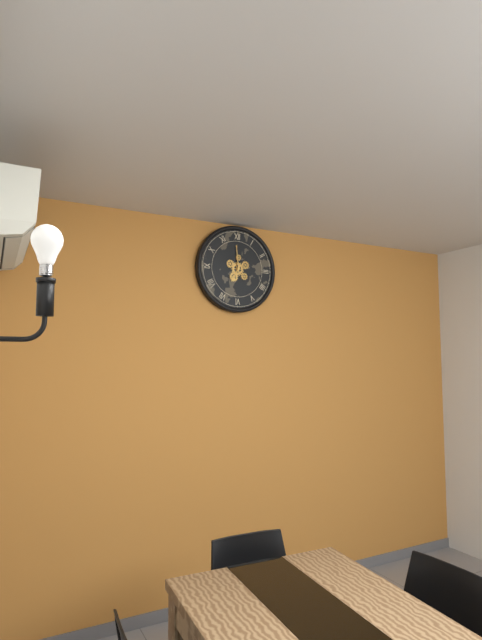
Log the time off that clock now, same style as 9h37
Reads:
6h59
